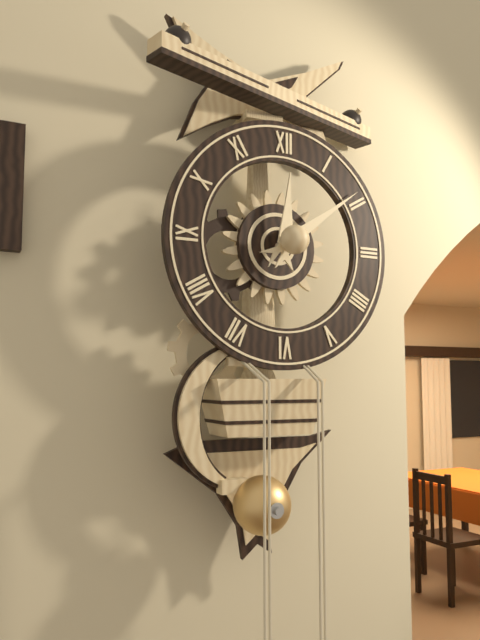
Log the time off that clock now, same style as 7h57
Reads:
12h09
